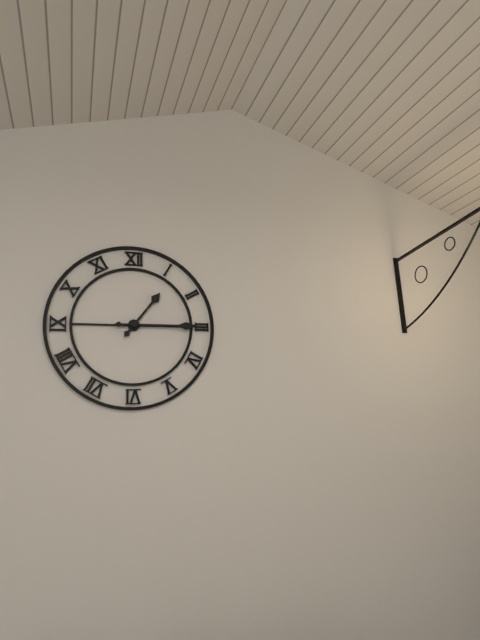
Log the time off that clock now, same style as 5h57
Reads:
1h15
